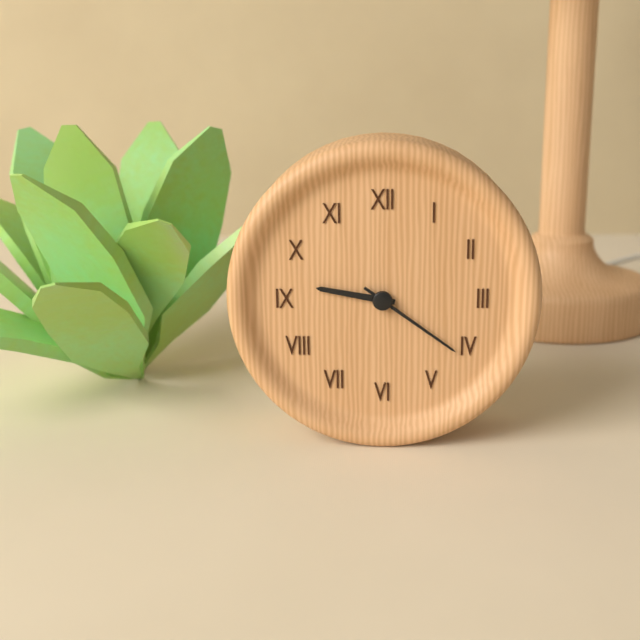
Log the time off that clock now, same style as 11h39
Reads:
9h21
